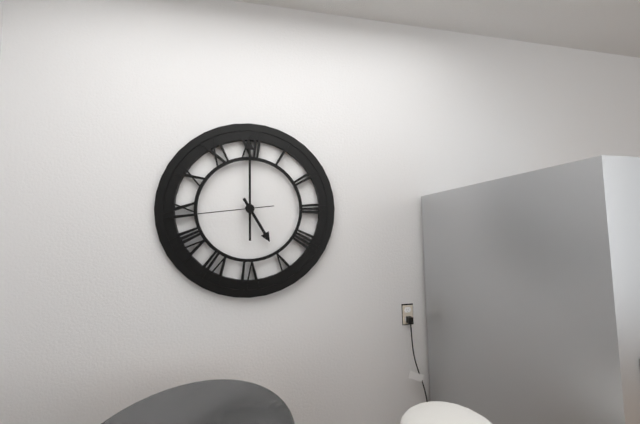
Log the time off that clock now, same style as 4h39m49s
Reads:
5h00m44s
